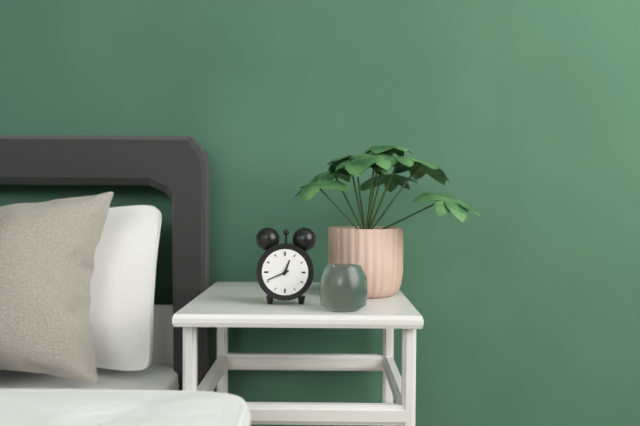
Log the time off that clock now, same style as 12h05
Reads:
12h41
